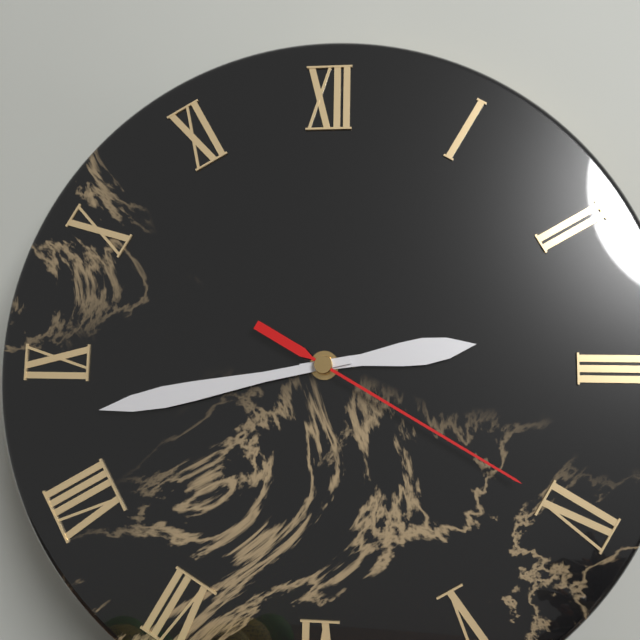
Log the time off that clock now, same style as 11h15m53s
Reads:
2h43m20s
